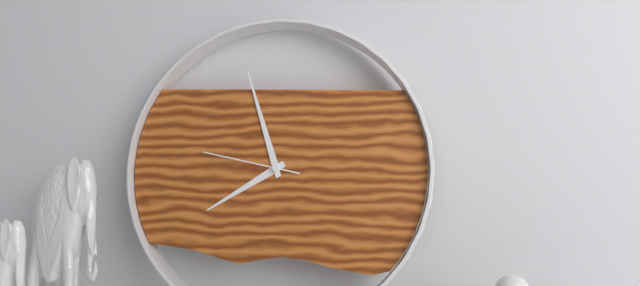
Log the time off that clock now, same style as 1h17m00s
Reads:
7h57m47s
